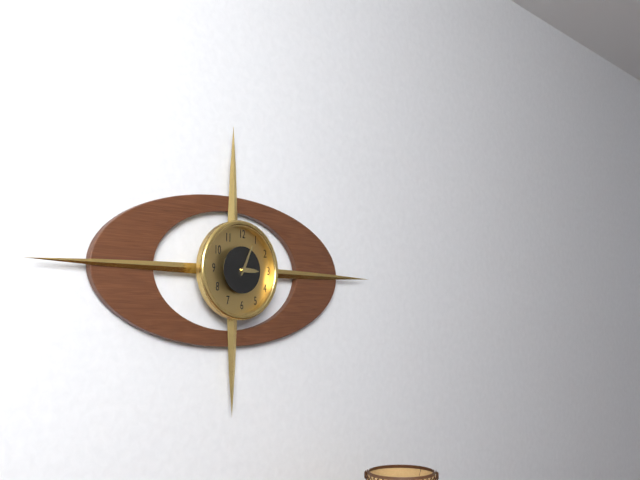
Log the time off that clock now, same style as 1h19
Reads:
3h04
